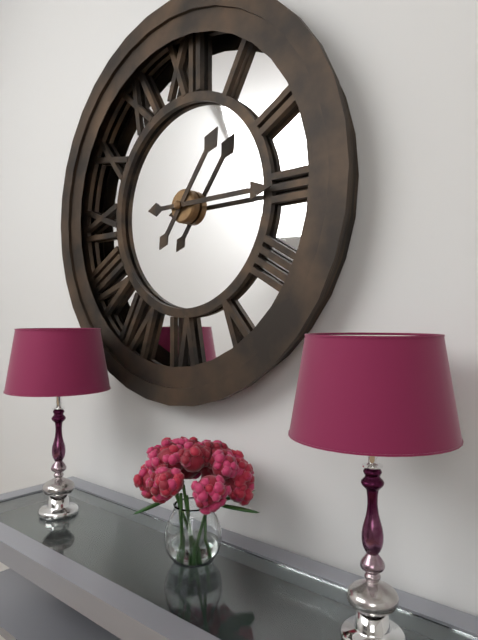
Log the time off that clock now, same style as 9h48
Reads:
1h15
